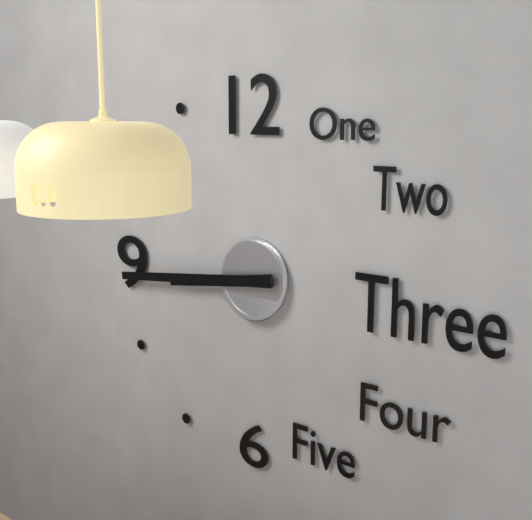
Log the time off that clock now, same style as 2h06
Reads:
8h44
